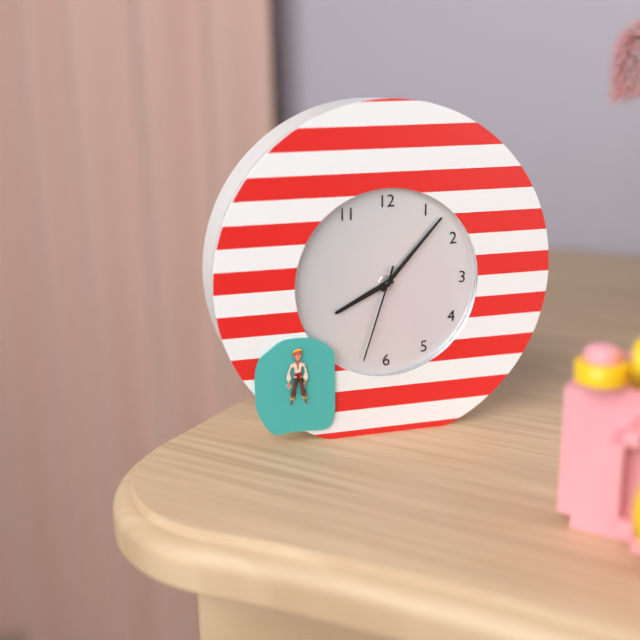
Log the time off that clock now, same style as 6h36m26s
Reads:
8h07m33s
